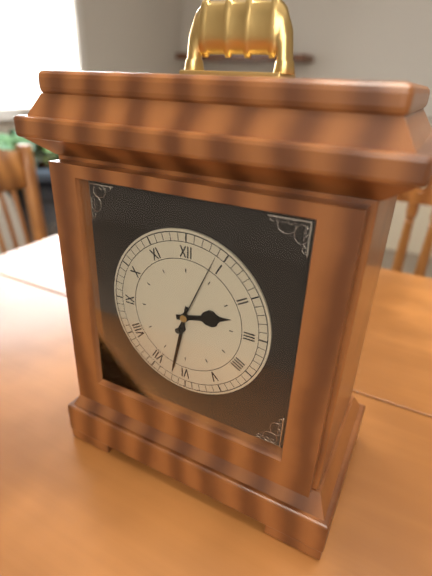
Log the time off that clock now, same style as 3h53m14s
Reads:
2h32m04s
